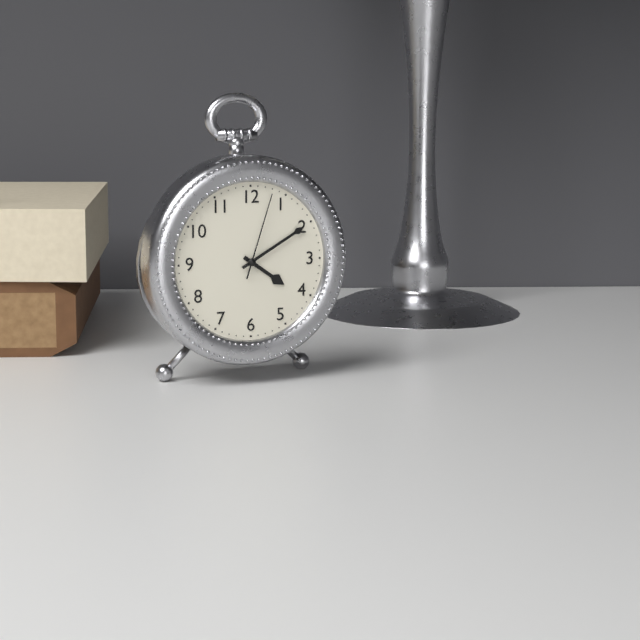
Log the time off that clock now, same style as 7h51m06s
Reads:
4h10m03s
